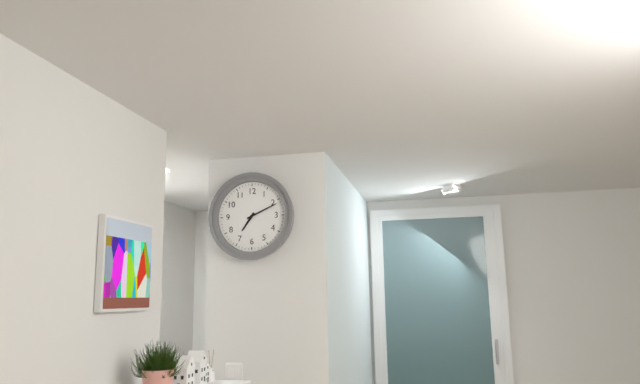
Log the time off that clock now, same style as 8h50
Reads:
7h11
